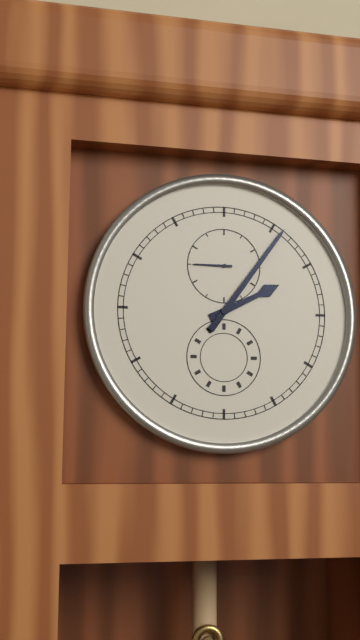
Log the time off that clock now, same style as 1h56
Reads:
2h06
